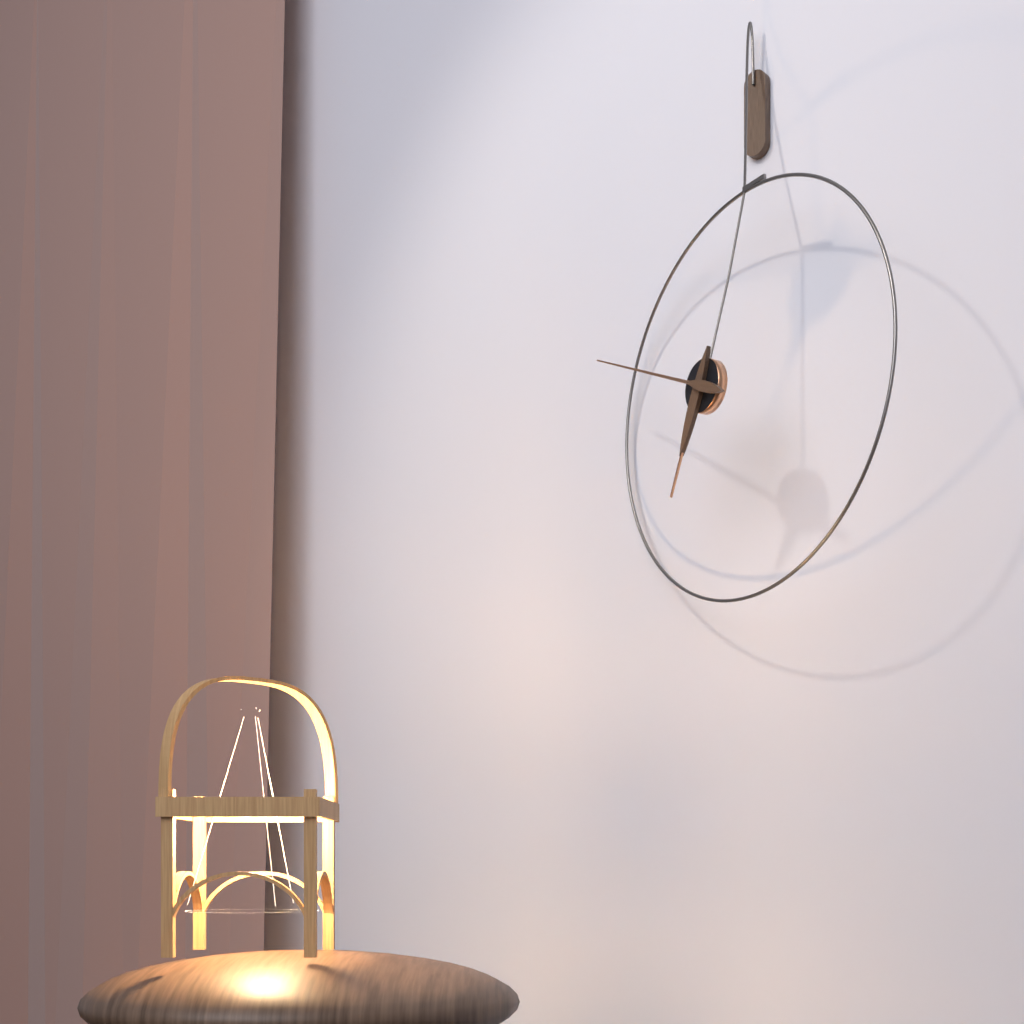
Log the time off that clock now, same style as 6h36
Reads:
6h49
